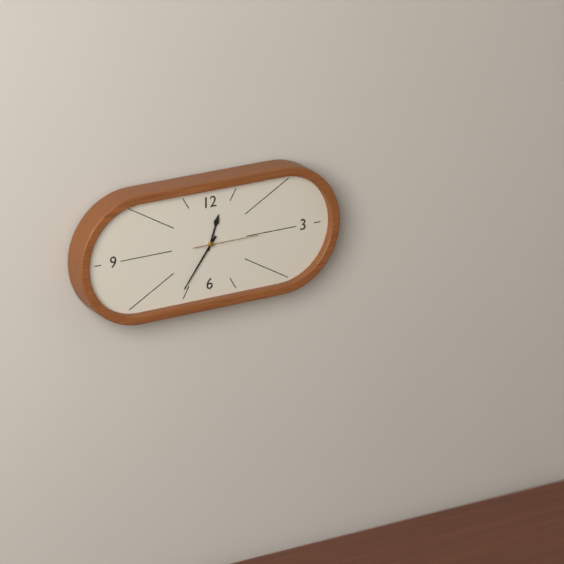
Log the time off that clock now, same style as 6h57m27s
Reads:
12h36m15s
